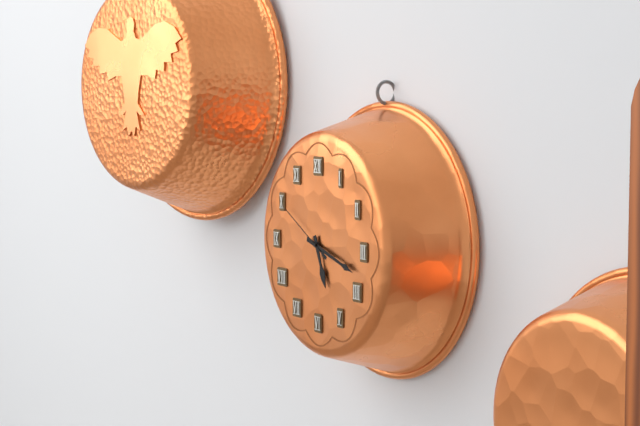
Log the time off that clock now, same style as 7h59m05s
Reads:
5h18m50s
